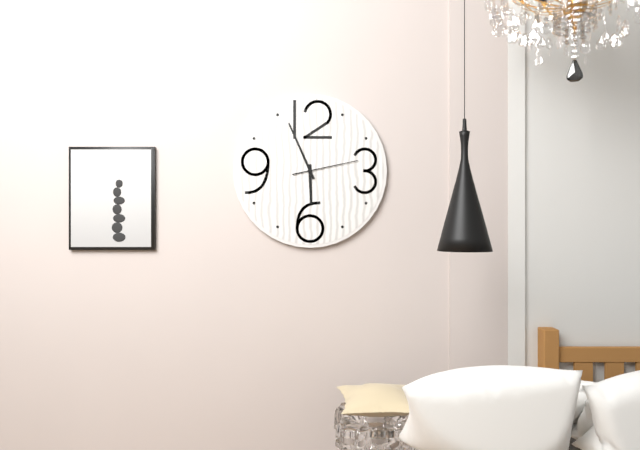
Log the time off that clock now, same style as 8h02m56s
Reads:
5h56m13s
